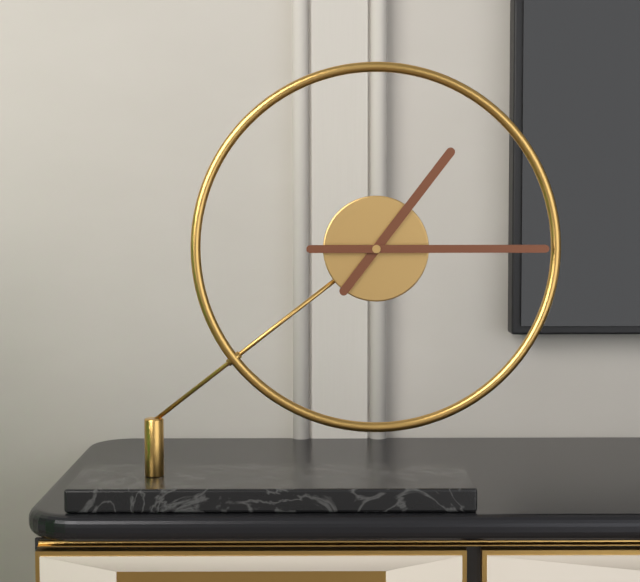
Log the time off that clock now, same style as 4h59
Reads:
1h15
